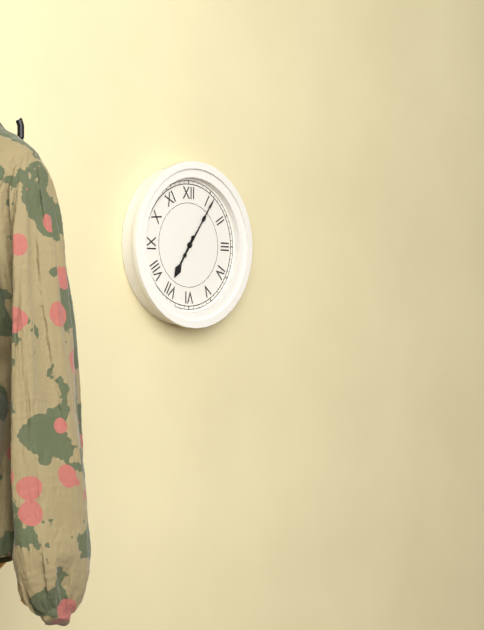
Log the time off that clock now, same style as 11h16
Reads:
7h06
